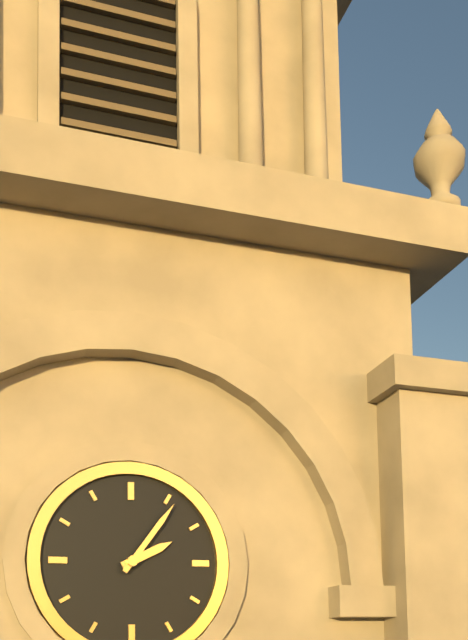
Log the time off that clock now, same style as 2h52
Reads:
2h06
